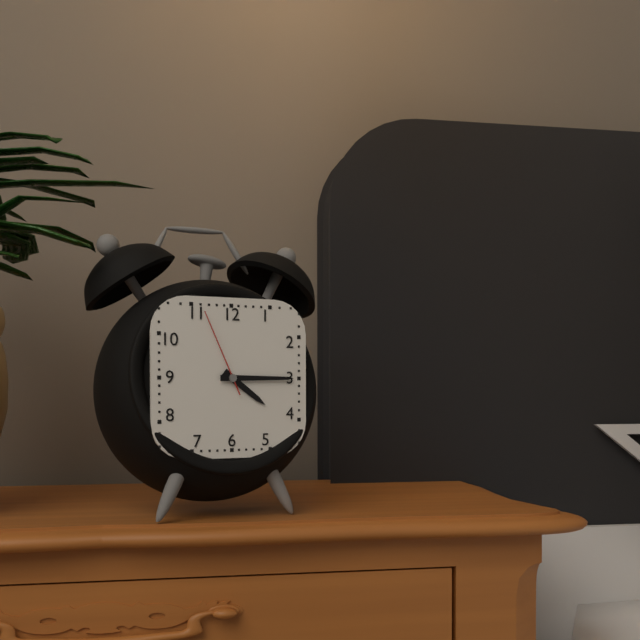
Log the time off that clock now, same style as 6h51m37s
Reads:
4h15m56s
